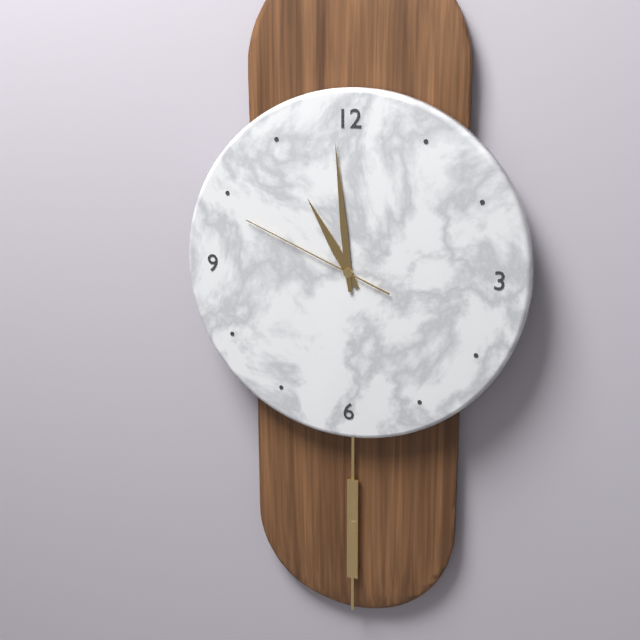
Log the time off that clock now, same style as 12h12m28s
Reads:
10h59m49s
